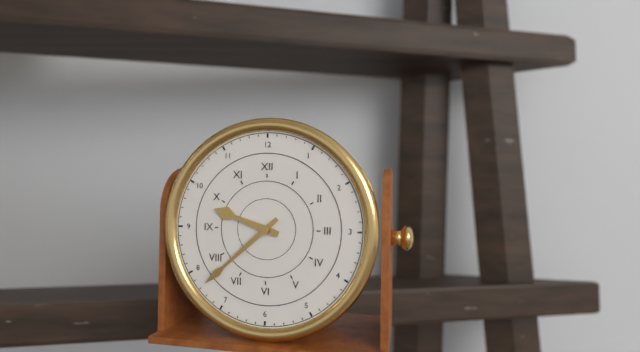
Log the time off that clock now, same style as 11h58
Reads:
9h38
